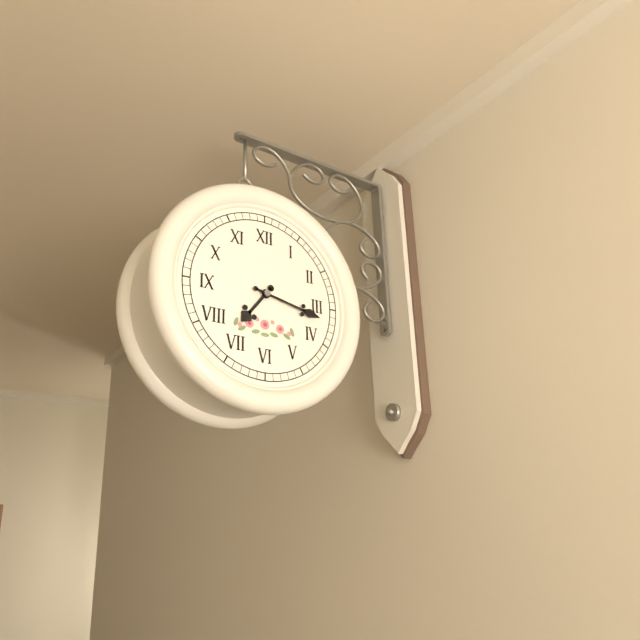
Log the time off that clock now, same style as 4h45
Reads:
7h17
